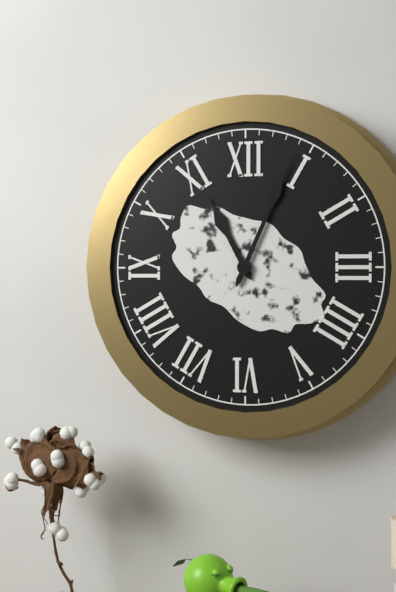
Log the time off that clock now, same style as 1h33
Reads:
11h04
